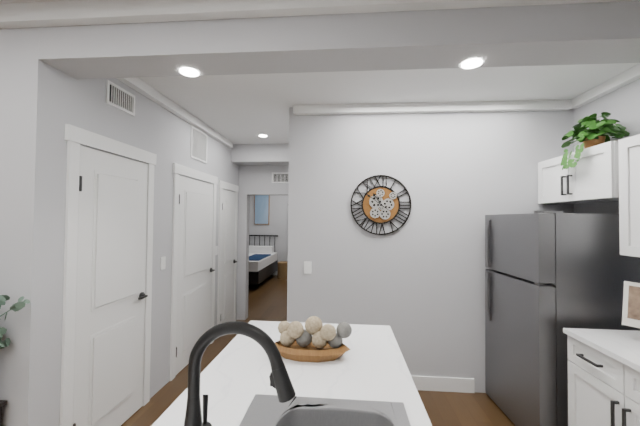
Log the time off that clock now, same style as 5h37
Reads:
10h51
